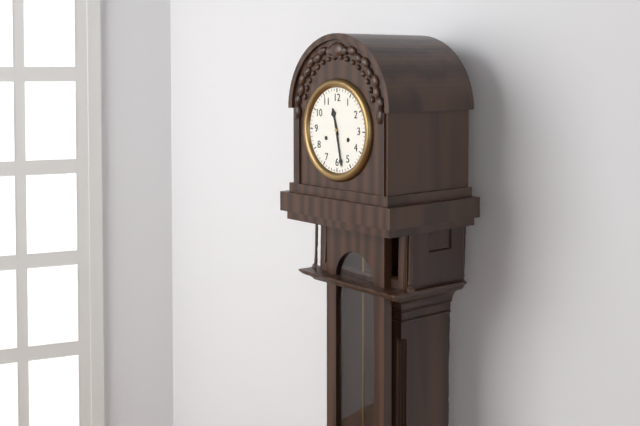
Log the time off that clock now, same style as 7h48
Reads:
11h28
